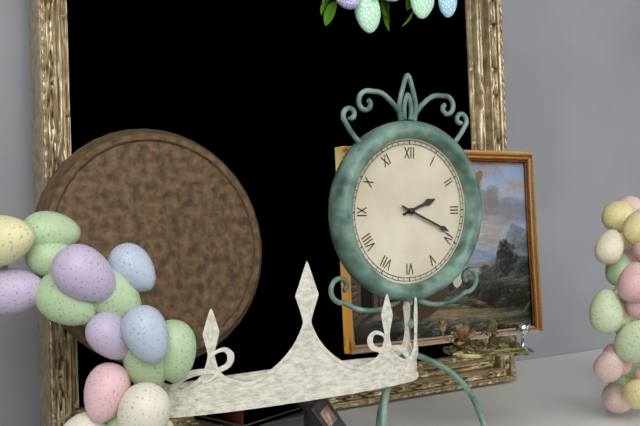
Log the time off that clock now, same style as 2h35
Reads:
2h19
